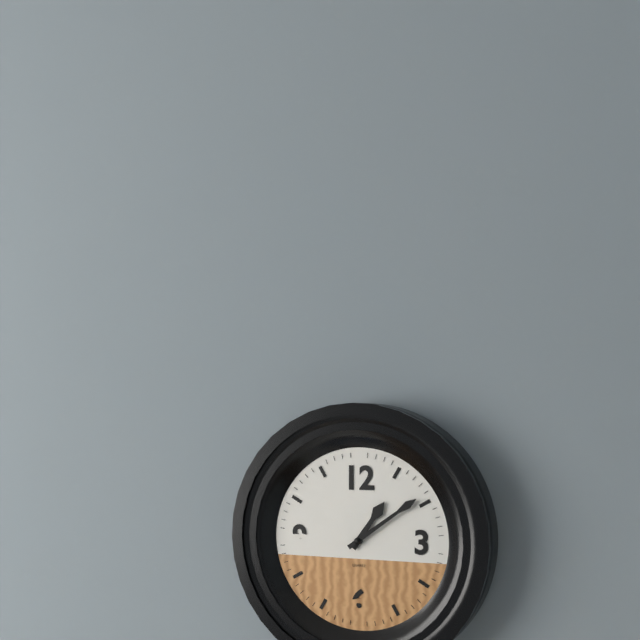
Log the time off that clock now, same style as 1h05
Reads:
1h09
